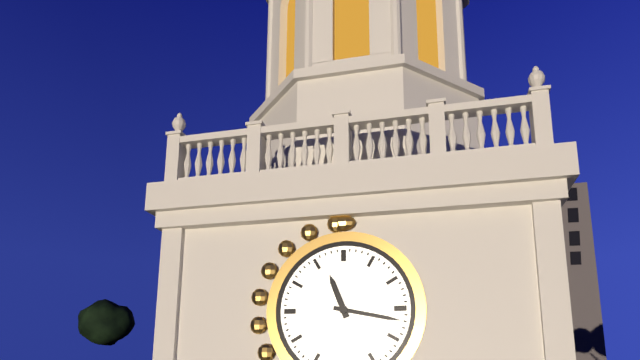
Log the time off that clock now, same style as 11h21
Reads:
11h17
